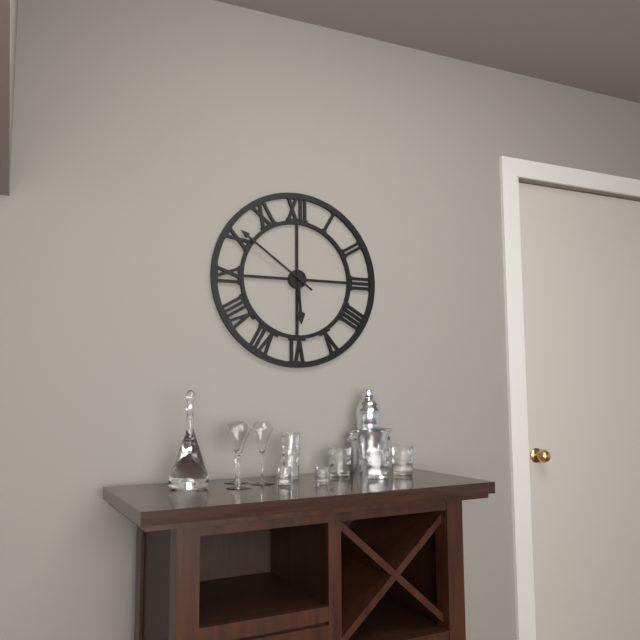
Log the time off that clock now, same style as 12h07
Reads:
5h51
